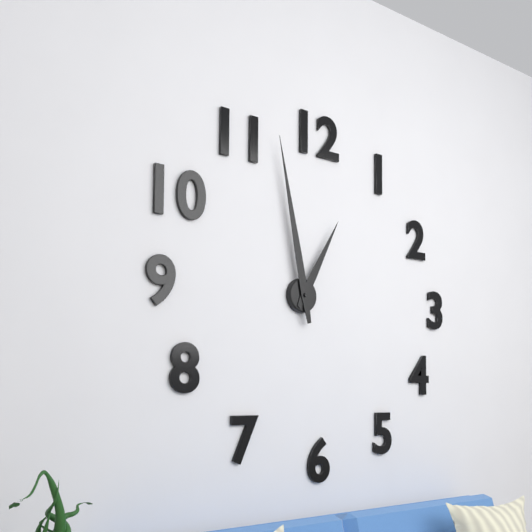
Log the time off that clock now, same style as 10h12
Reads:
12h58
